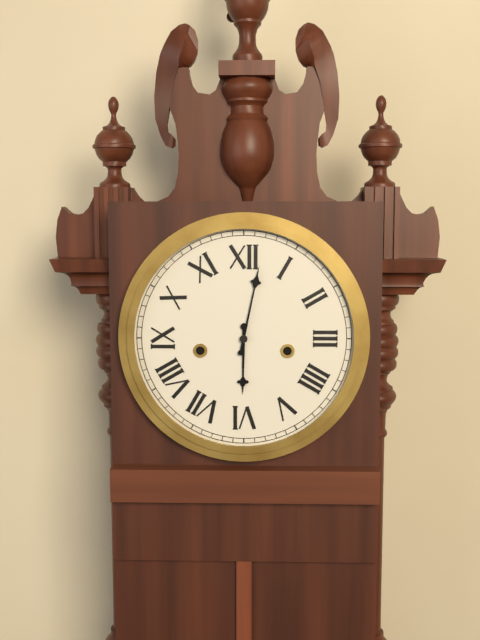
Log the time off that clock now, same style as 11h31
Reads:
6h02
